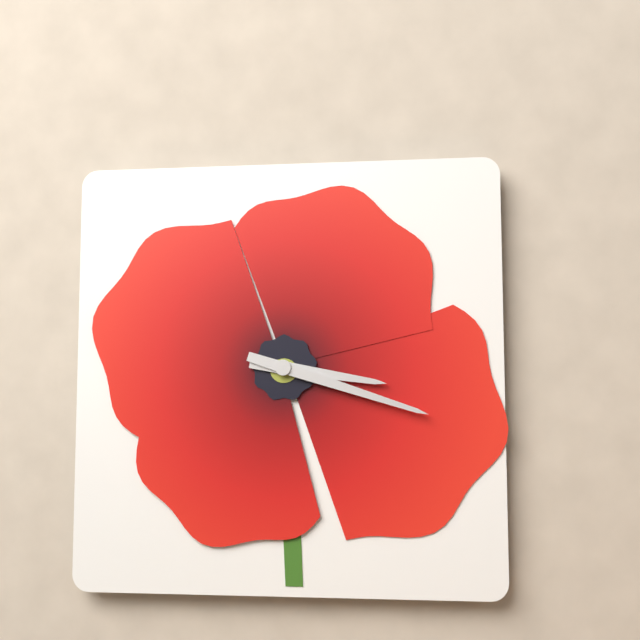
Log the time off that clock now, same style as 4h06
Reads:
3h18
